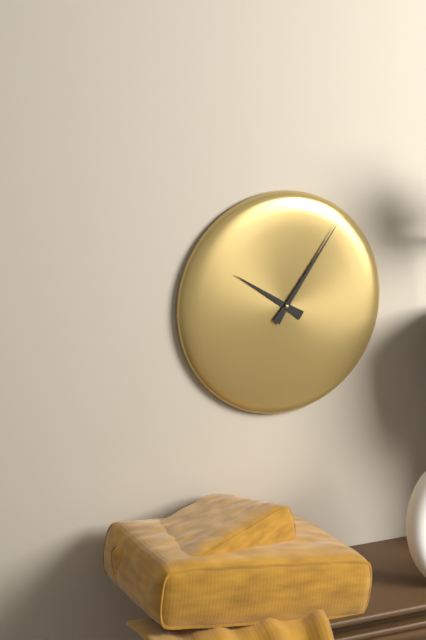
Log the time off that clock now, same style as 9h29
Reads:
10h06
